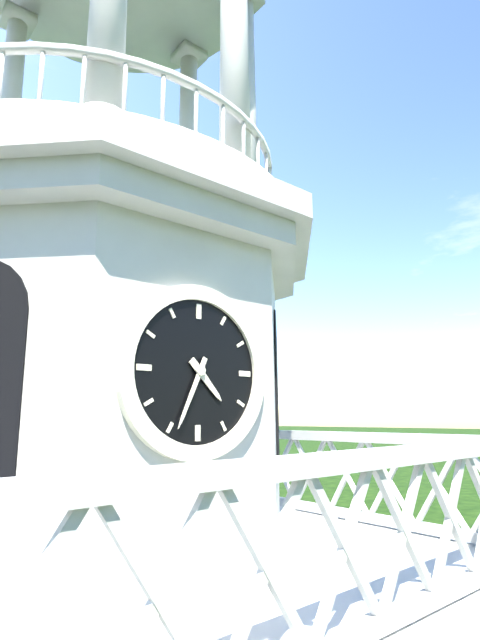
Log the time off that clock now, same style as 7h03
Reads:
4h34
